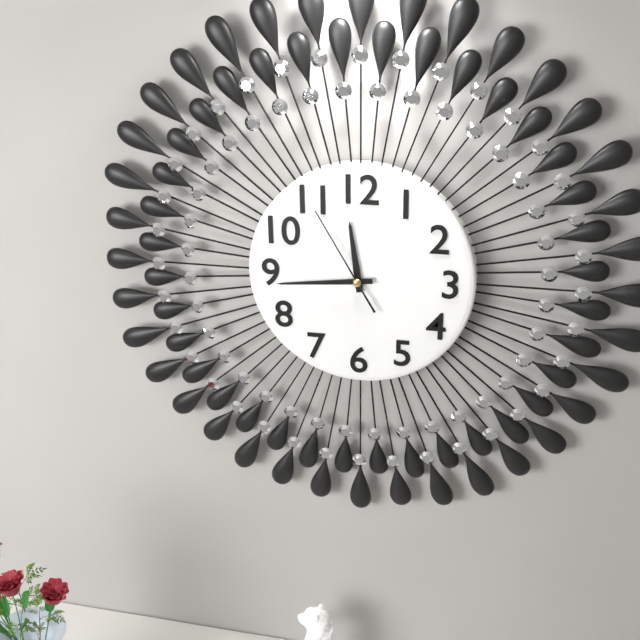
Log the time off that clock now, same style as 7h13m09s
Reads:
11h44m55s
